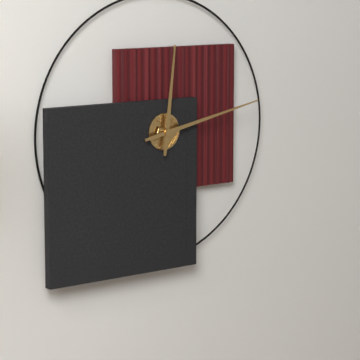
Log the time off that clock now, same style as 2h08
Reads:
12h13
